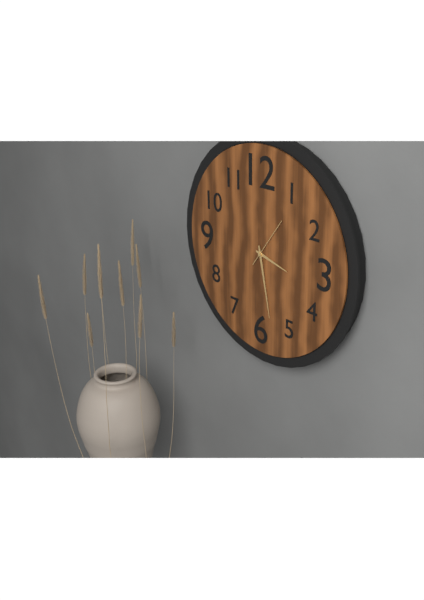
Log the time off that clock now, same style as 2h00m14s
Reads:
3h28m06s
